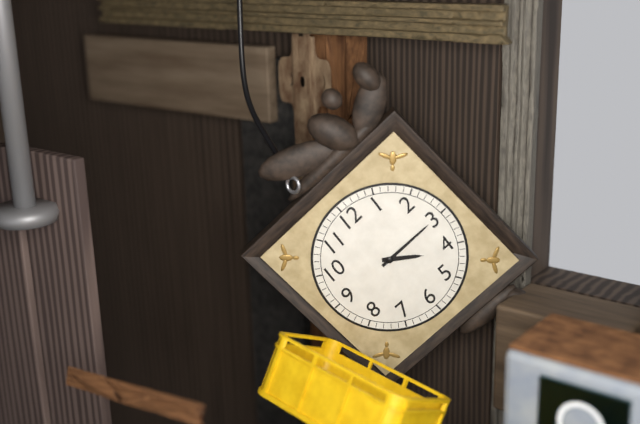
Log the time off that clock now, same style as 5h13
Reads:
4h15
